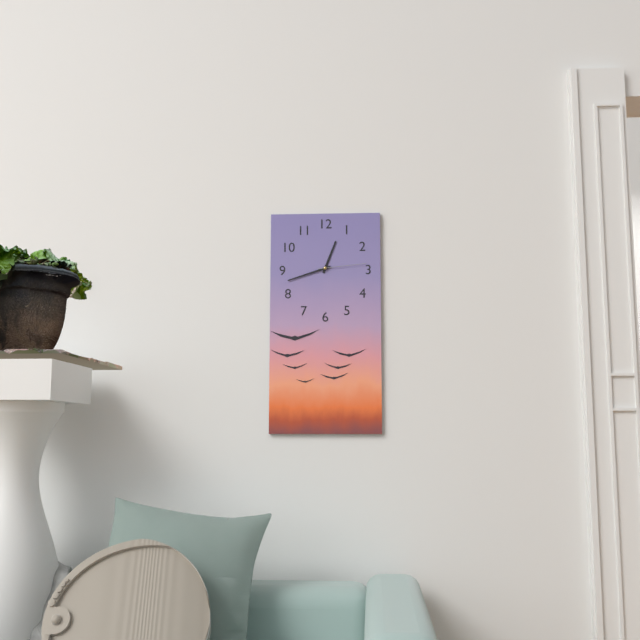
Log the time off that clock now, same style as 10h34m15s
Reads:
12h42m14s
